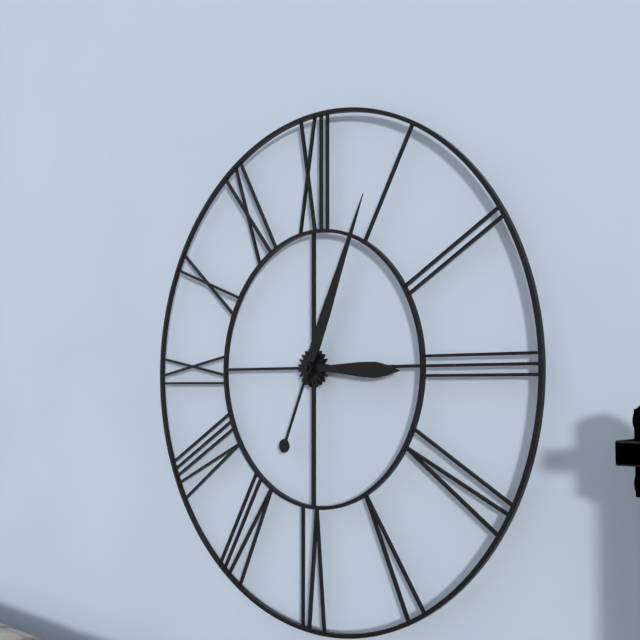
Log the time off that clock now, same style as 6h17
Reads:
3h04
